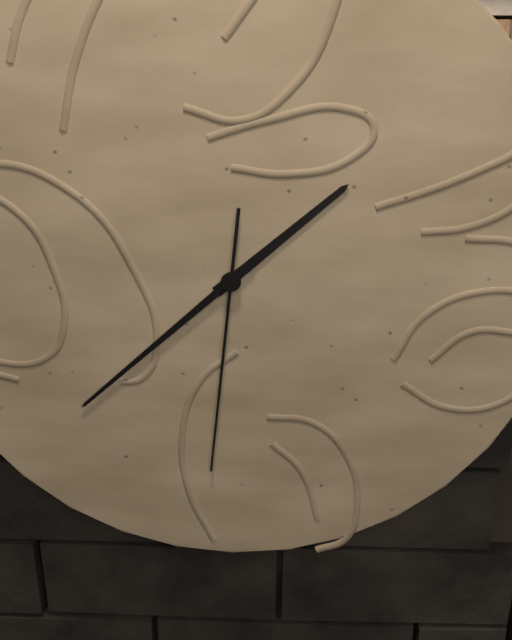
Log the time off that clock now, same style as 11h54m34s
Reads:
1h38m31s
